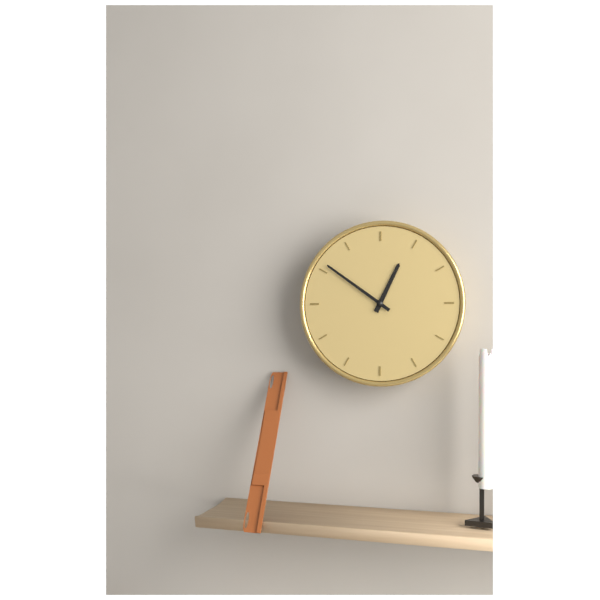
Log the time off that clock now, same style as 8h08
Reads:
12h51
